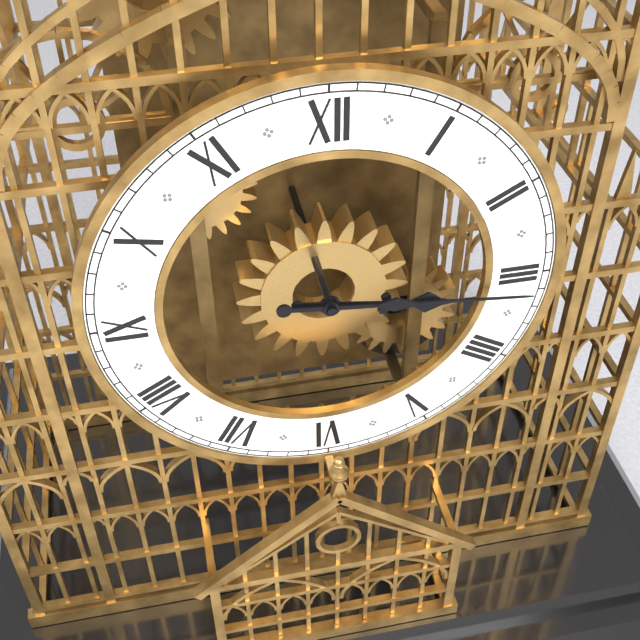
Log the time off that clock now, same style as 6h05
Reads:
3h16
